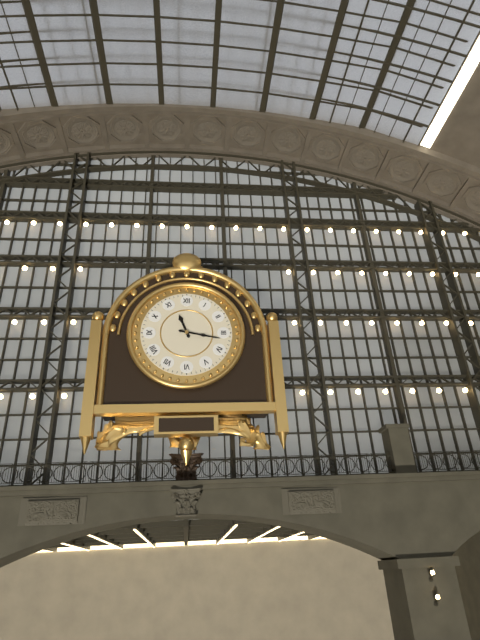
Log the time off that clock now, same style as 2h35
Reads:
11h17
